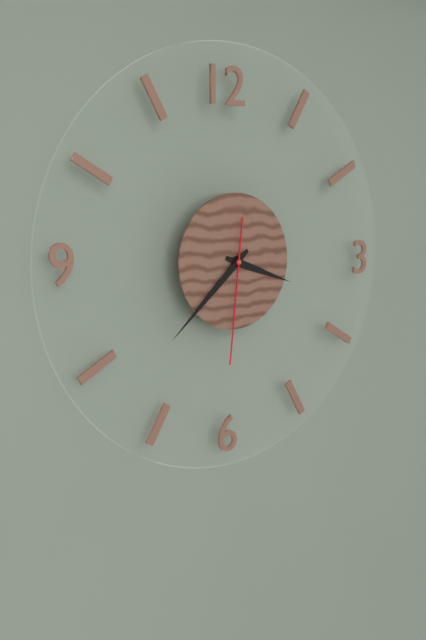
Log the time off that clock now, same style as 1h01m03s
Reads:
3h38m31s
